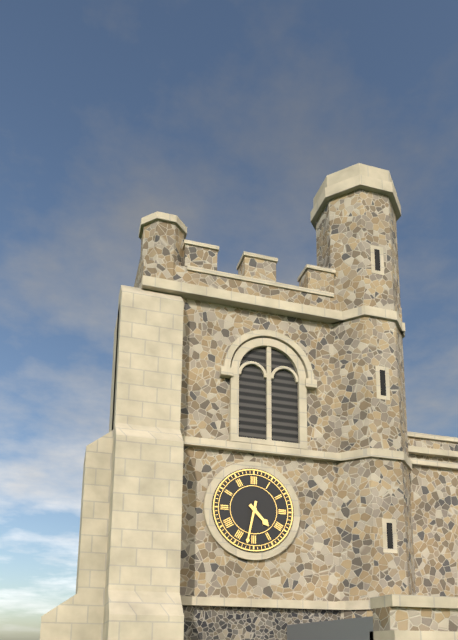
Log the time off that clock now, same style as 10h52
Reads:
4h32
